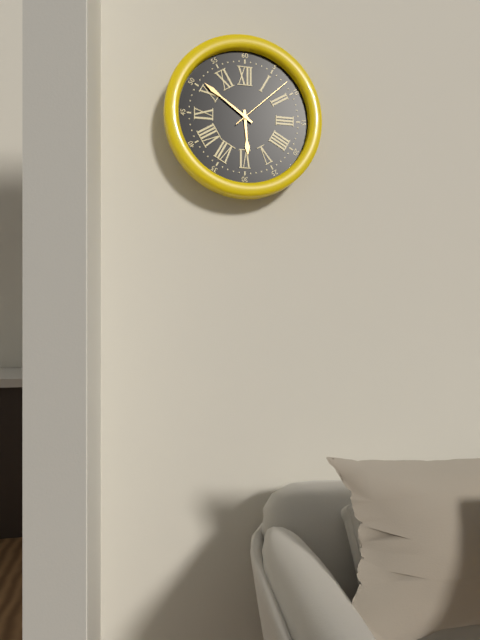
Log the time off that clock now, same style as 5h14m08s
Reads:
5h51m08s
